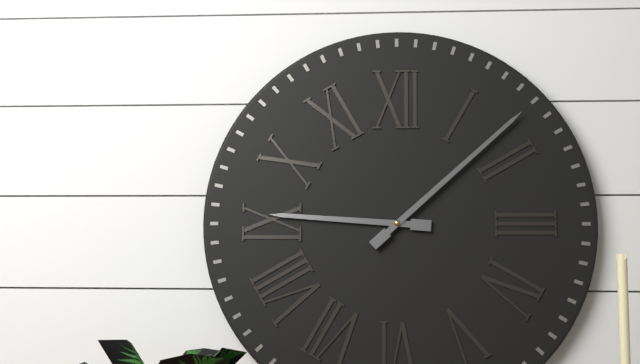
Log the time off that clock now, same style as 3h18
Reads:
9h08
